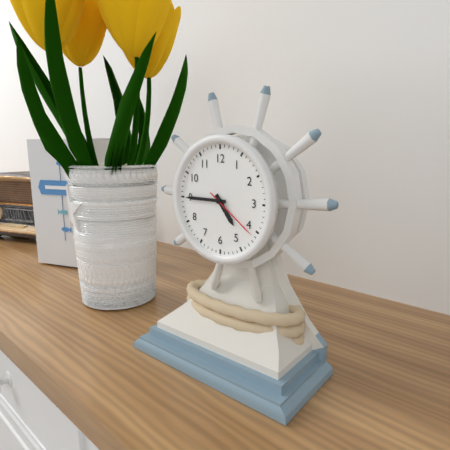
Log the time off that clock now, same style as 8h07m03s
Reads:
4h45m21s
